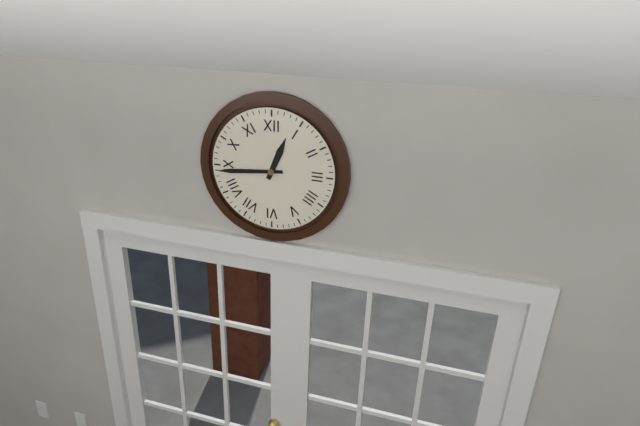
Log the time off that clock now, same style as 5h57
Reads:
12h44
